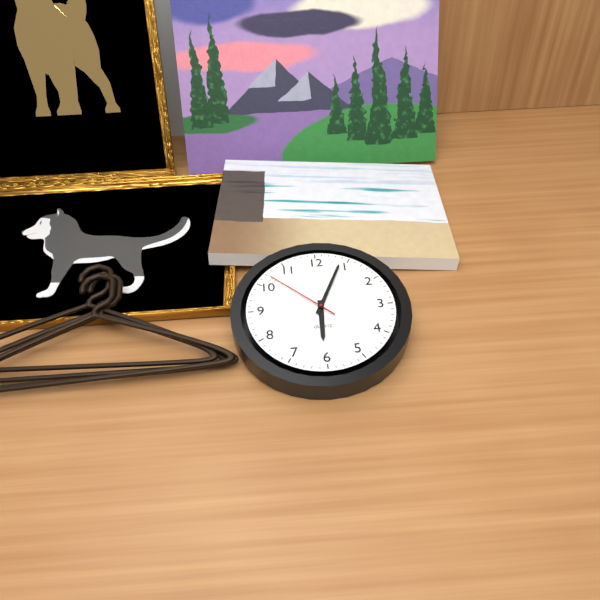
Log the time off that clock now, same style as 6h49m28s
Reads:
6h04m52s
